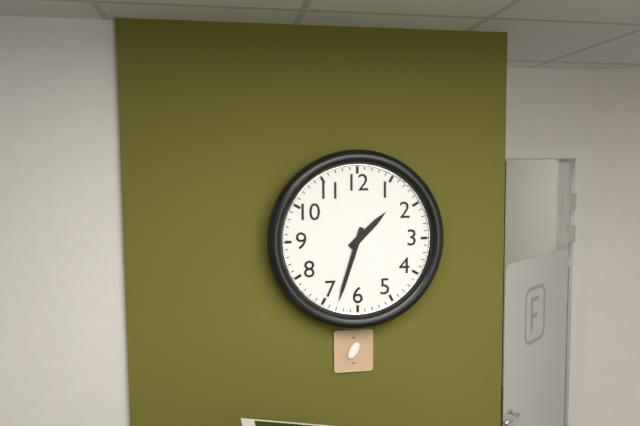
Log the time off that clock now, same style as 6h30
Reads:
1h33
